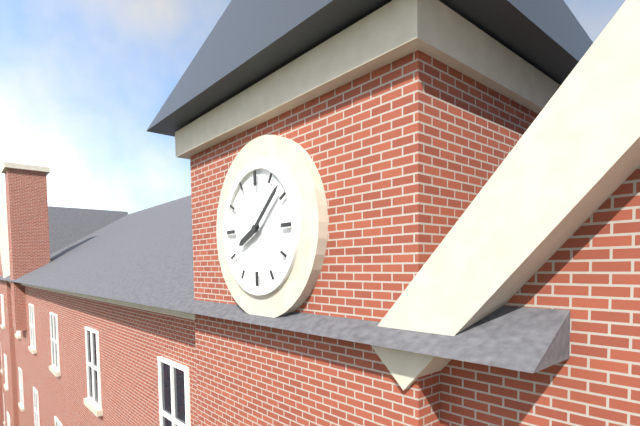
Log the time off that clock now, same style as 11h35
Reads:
8h08
